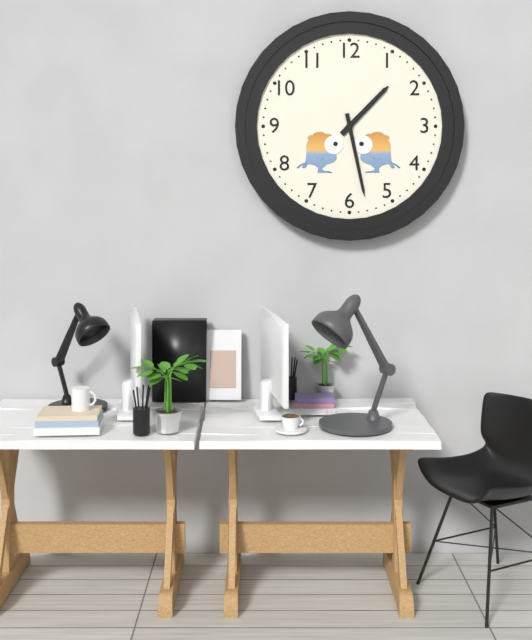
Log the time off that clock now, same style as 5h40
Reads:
1h28
